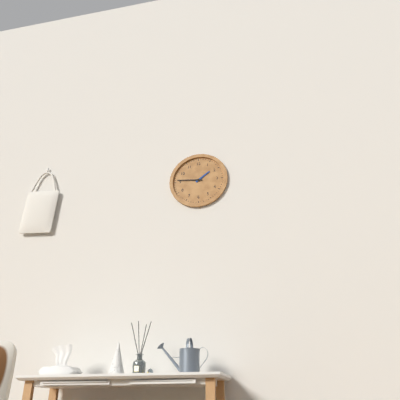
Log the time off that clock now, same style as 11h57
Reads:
1h46
